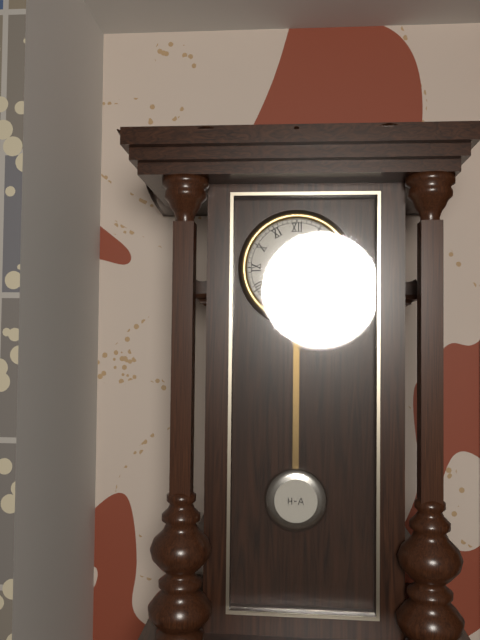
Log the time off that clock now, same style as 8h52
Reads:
5h37
